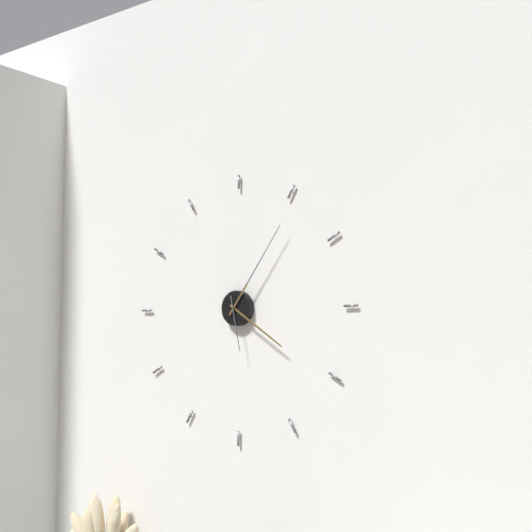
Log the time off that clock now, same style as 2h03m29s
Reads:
4h06m28s
